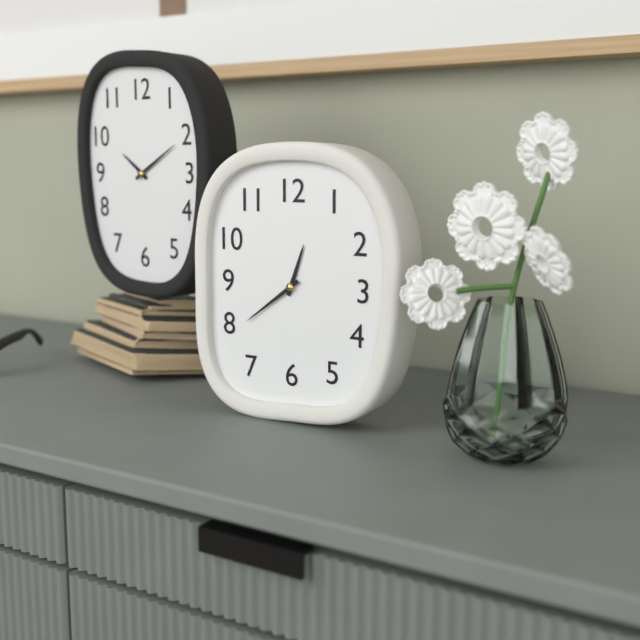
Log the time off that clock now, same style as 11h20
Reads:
12h39
